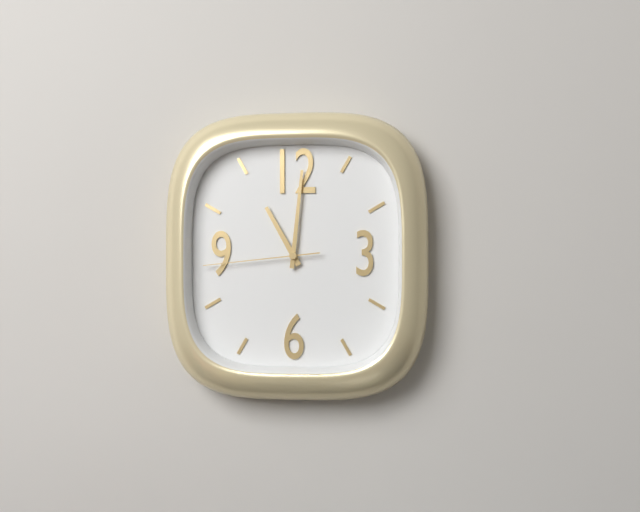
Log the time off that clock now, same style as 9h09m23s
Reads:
11h01m44s
